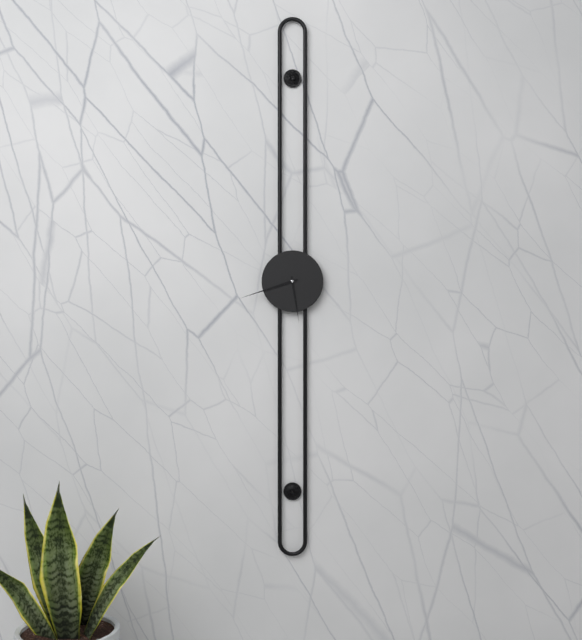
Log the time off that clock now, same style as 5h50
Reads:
5h42
